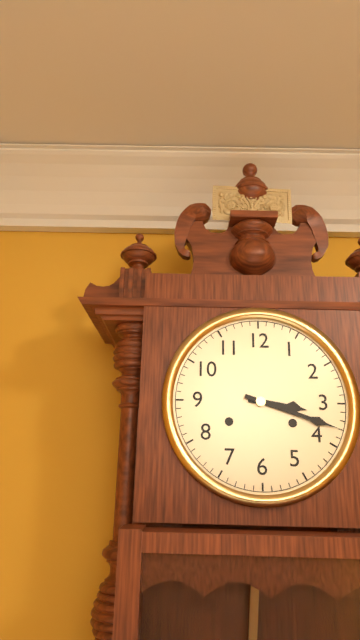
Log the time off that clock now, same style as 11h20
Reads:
3h18
